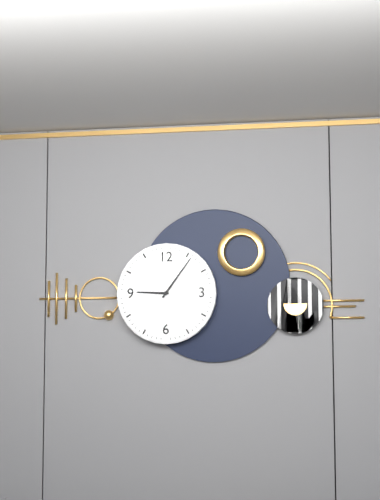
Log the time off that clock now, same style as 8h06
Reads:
9h06
